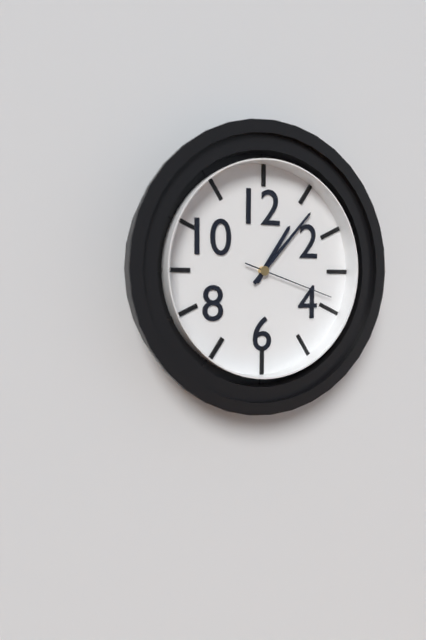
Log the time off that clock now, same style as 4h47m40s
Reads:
1h07m18s
